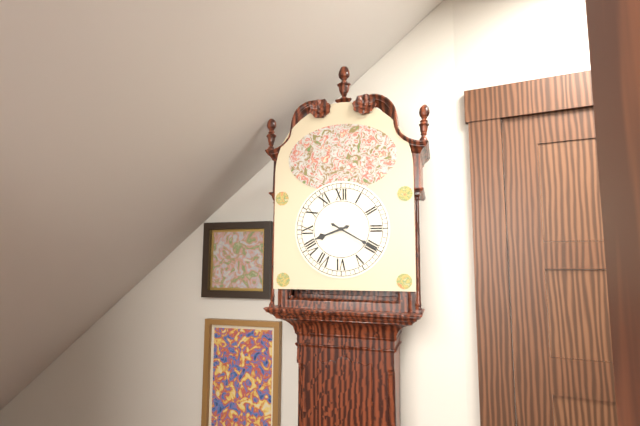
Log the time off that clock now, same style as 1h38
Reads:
8h20
